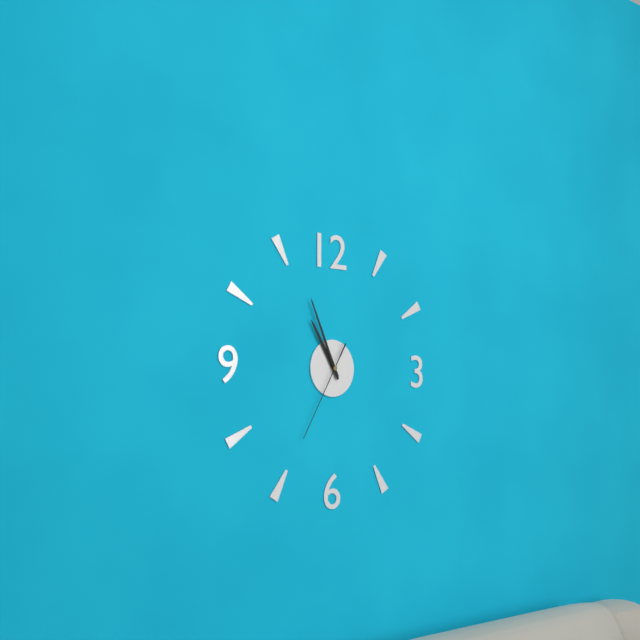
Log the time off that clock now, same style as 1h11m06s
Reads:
10h56m35s
